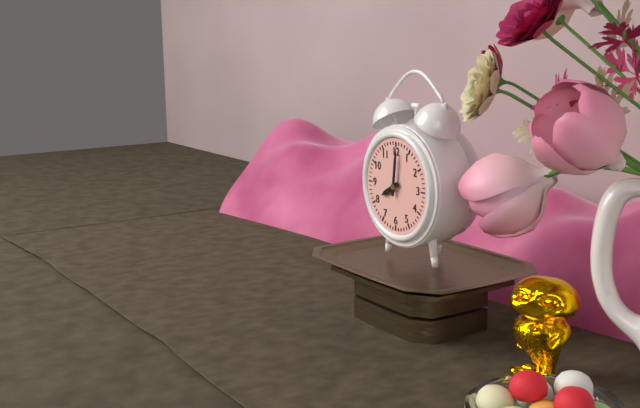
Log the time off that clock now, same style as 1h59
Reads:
8h01
